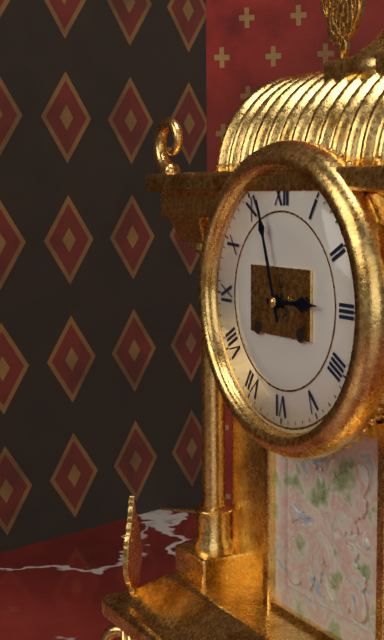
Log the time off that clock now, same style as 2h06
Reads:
2h57
